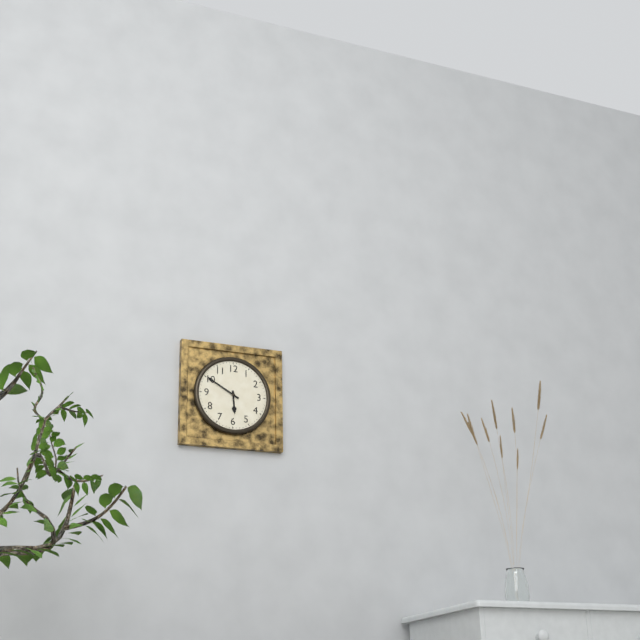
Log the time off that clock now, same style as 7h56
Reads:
5h50
